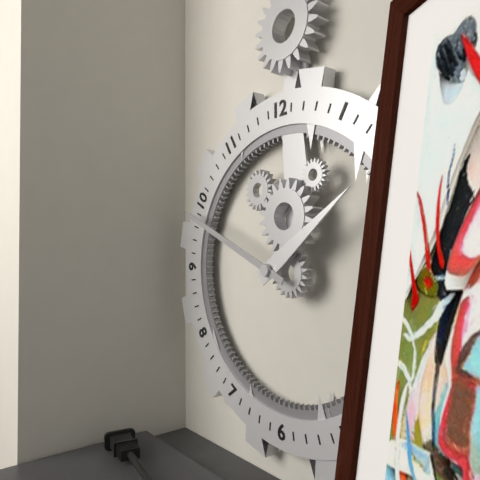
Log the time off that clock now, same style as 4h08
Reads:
1h49
